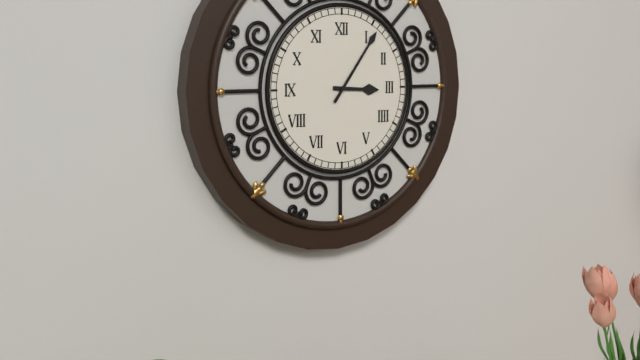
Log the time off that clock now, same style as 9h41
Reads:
3h06
